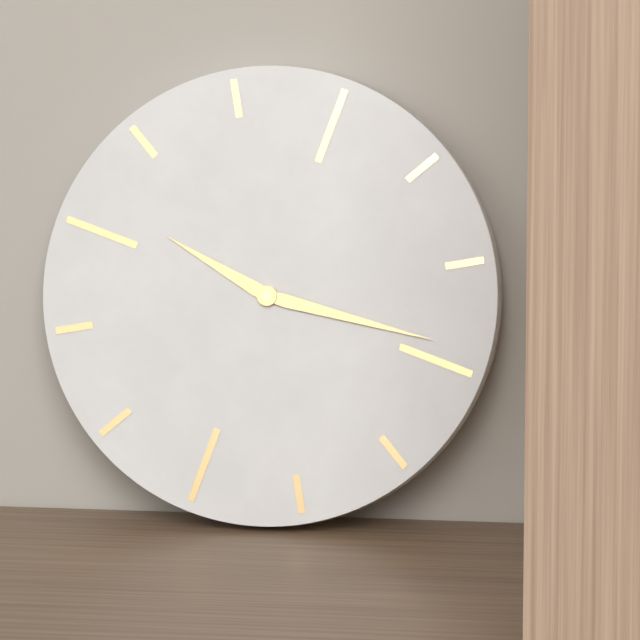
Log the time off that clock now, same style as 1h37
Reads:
10h19
